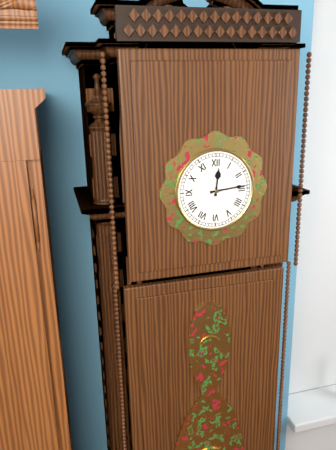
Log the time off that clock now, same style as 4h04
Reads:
12h14
